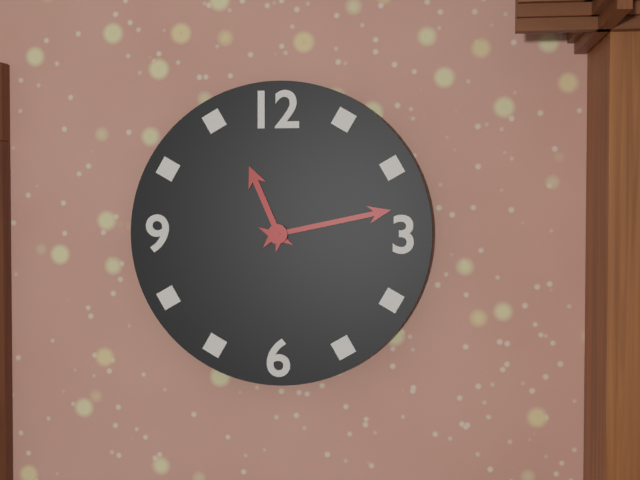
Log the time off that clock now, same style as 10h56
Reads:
11h13
